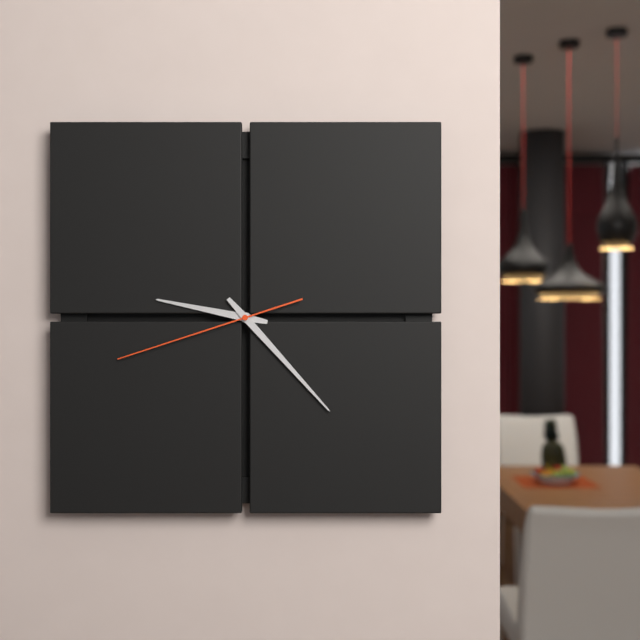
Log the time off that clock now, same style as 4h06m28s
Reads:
9h23m42s
